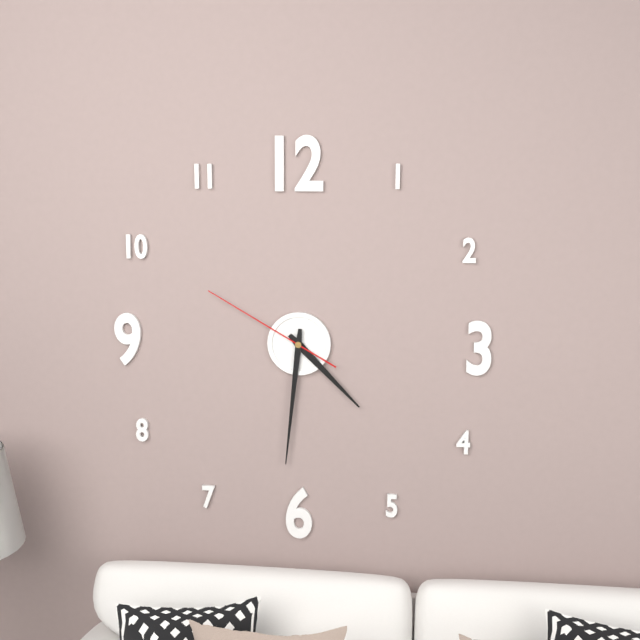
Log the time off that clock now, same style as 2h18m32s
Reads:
4h31m50s
